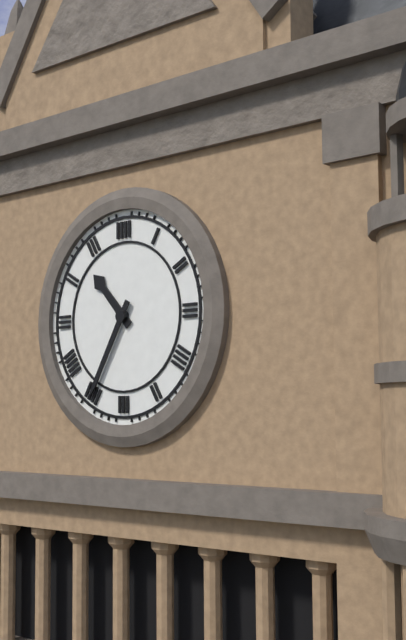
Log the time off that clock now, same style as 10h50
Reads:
10h35
